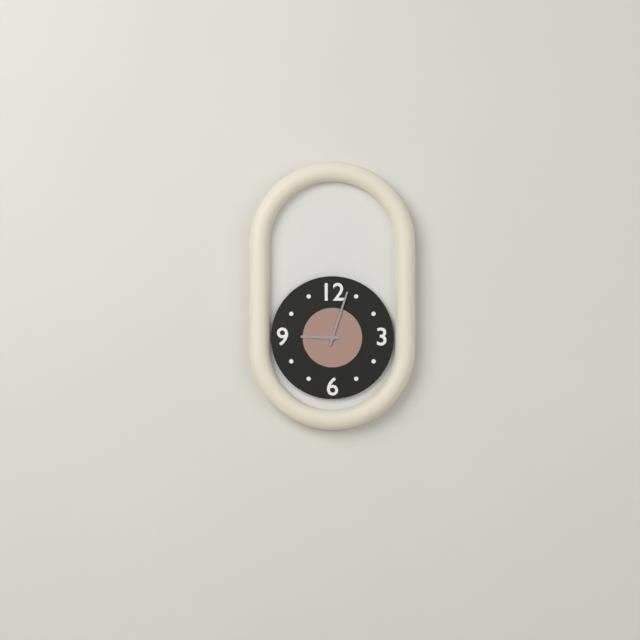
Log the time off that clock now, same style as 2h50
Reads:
9h03
